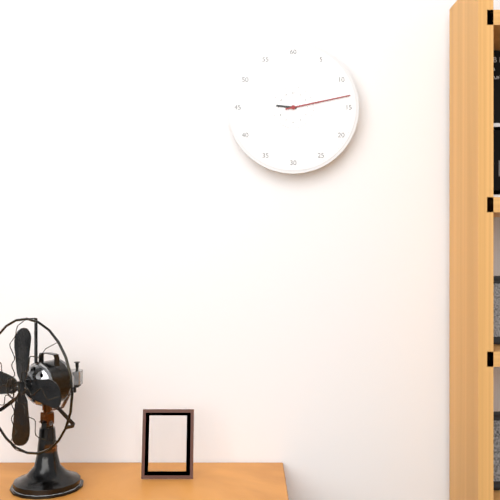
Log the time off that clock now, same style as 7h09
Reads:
9h13
